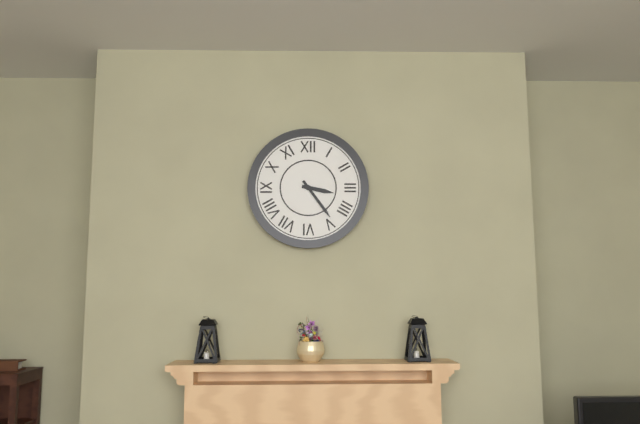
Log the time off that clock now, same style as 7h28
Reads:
3h24
